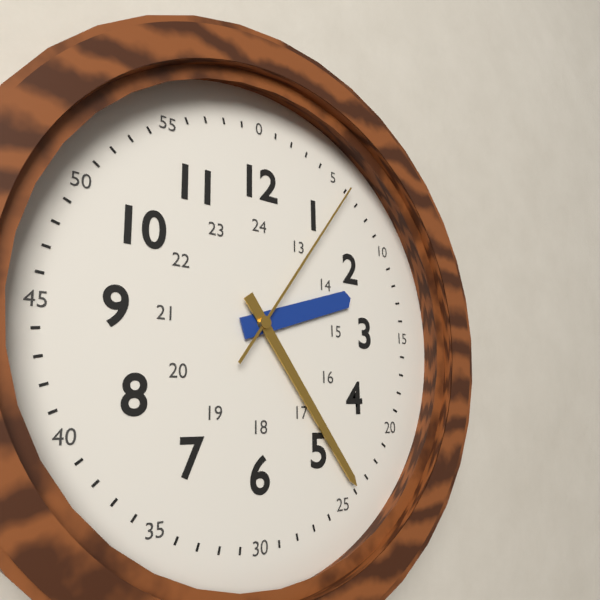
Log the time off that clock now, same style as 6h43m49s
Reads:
2h24m06s
